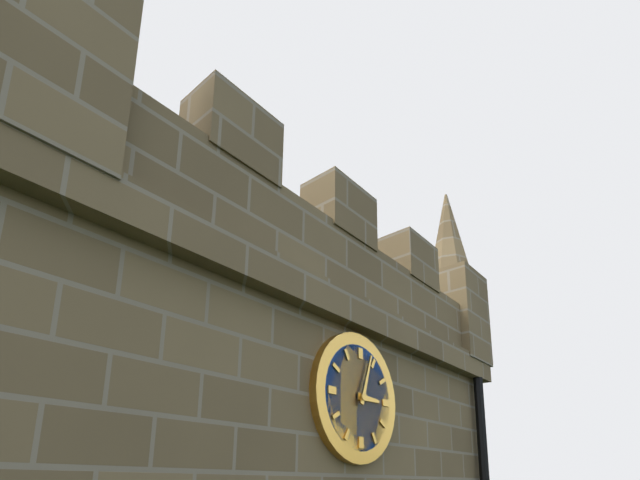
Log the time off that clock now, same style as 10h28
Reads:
3h03
